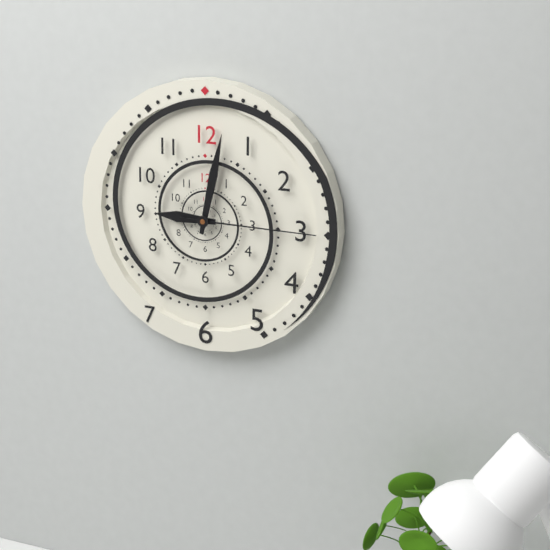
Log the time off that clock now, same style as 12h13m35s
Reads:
9h02m15s
